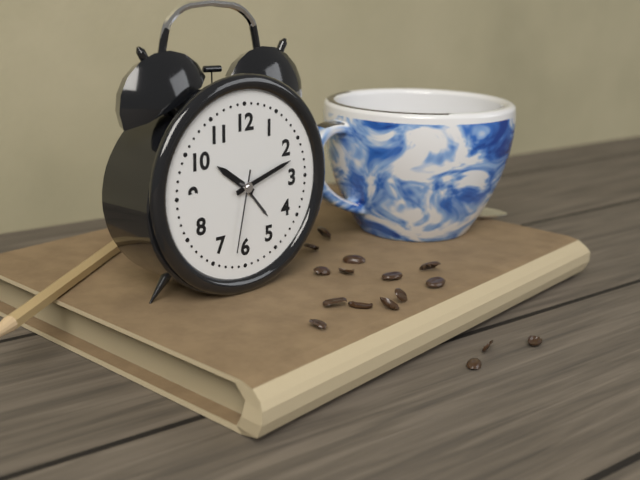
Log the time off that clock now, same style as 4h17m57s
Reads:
10h12m32s
